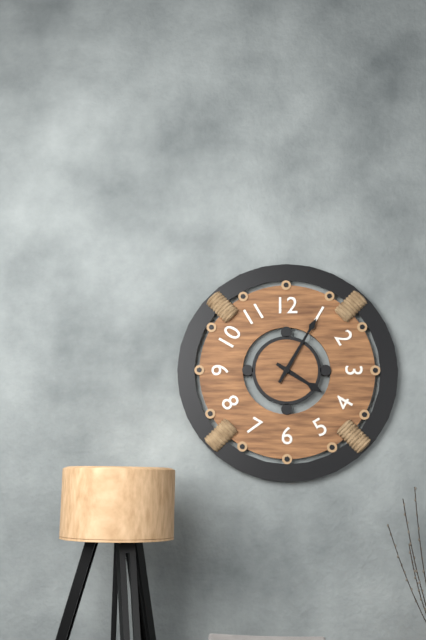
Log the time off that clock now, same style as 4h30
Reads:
4h05
